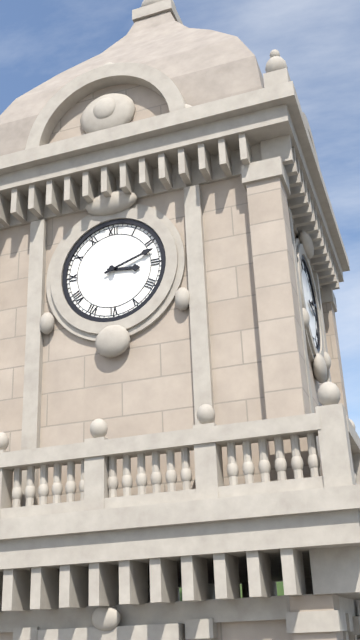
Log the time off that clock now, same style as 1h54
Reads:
3h12
